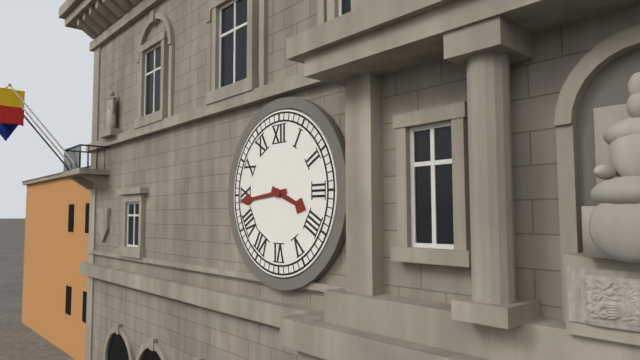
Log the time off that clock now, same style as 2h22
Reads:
3h44
